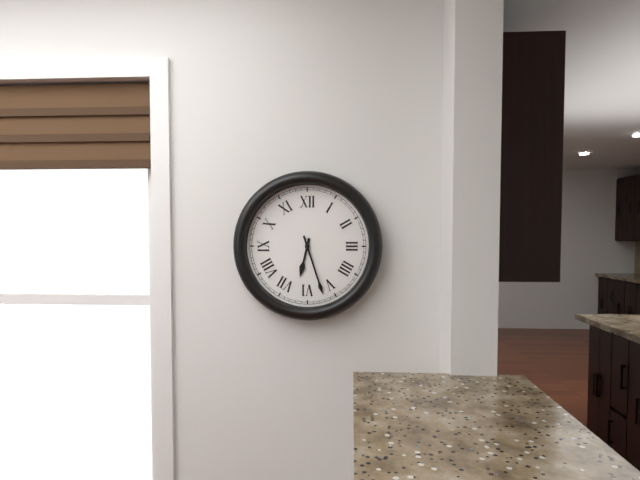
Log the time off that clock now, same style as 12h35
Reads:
6h27
